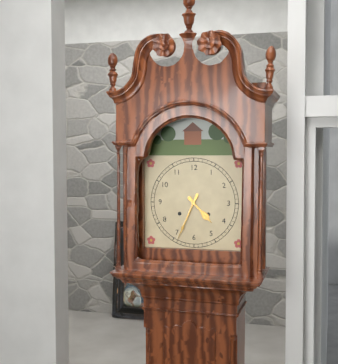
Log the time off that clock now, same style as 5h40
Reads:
4h34
